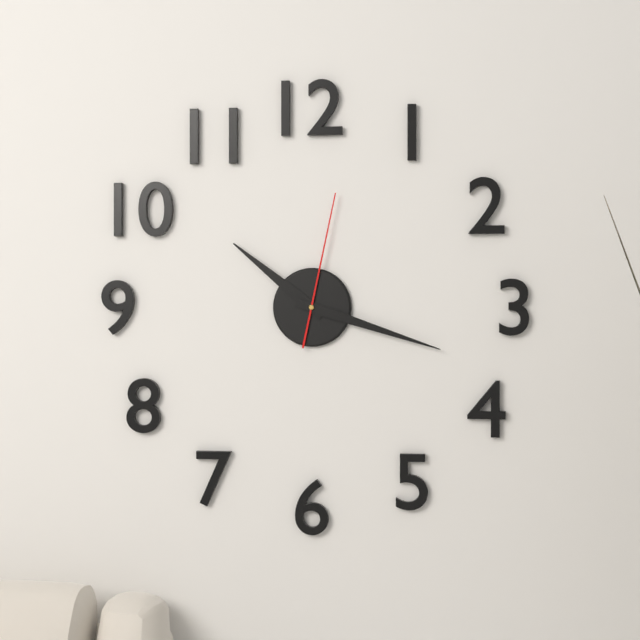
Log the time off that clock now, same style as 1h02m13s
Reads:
10h18m02s
